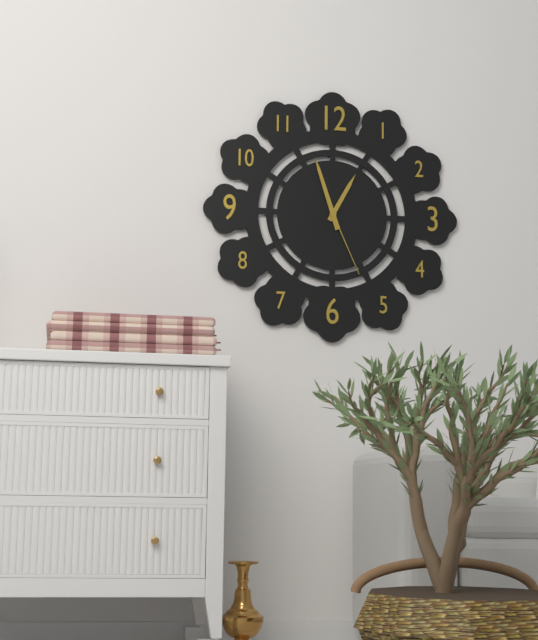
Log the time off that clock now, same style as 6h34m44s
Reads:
12h57m26s
